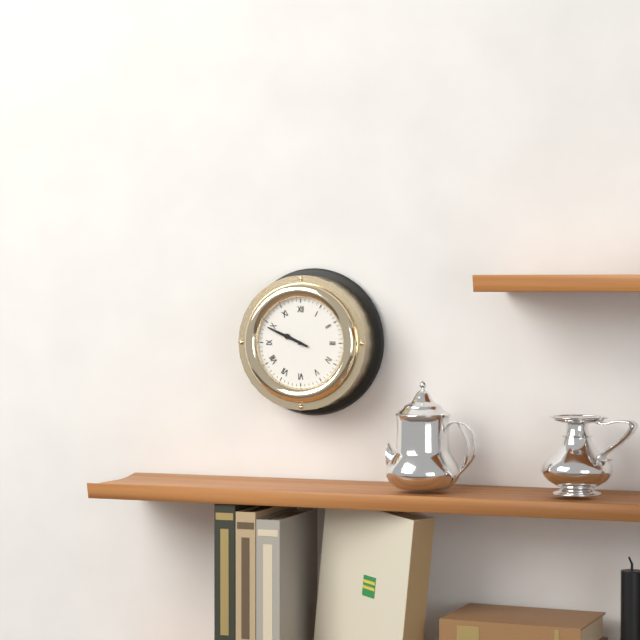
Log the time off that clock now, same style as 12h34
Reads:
9h49
